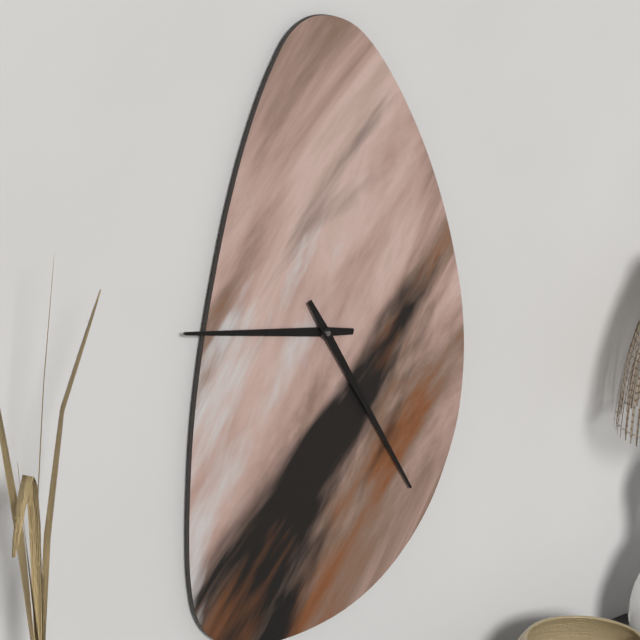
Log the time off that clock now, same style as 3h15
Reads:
9h25
